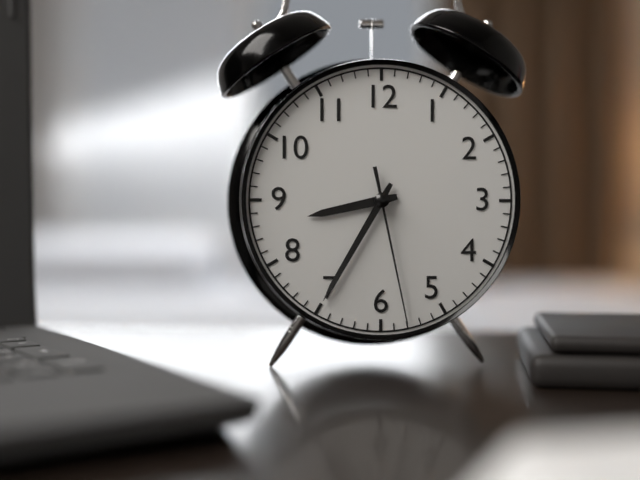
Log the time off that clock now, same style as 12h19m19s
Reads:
8h35m28s
